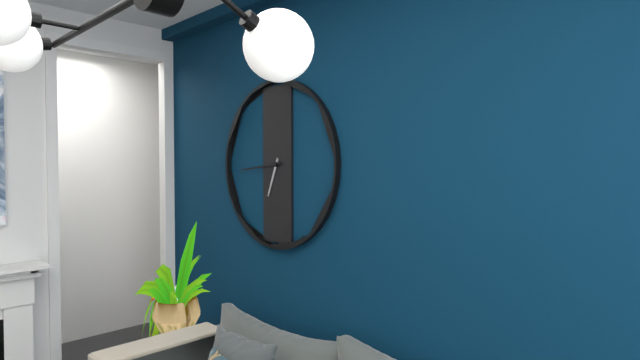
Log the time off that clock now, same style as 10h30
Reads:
6h44
